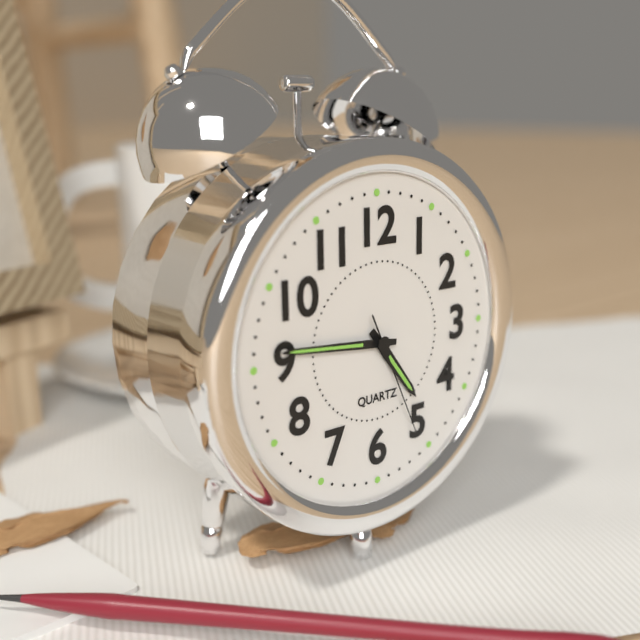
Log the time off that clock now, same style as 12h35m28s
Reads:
4h46m26s
